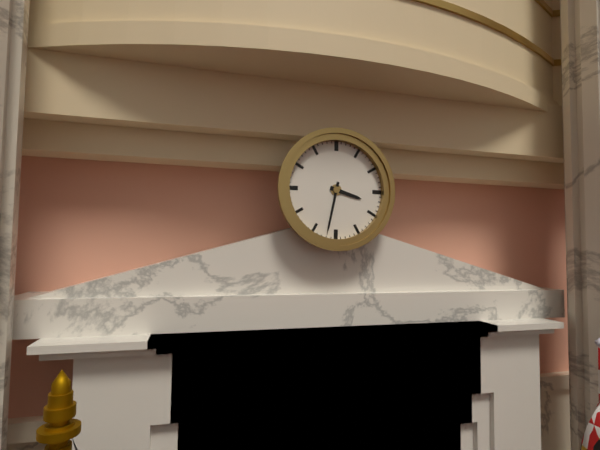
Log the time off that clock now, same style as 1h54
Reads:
3h32
